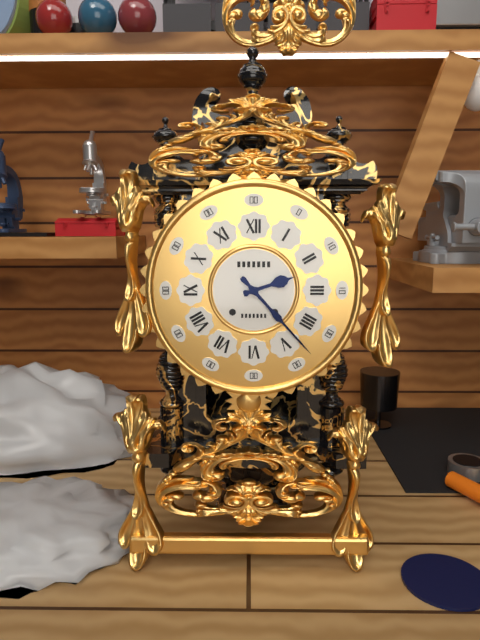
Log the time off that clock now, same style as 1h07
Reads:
2h23
